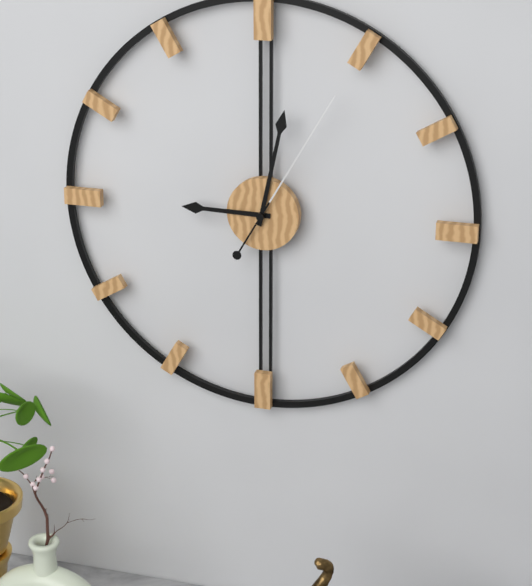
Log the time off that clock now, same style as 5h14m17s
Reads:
9h02m05s
